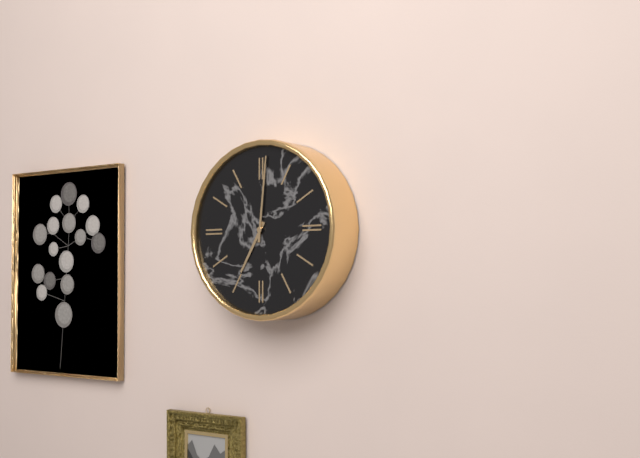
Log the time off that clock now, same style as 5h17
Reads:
7h01
